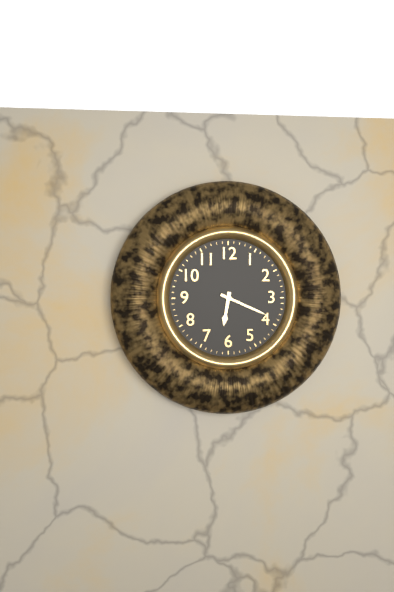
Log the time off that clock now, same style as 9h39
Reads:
6h19
